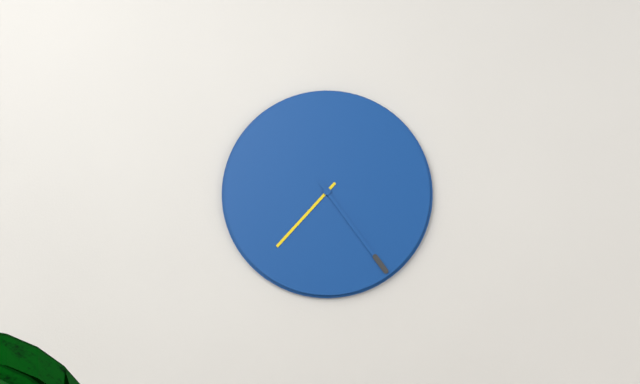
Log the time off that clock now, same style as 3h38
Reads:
7h24
